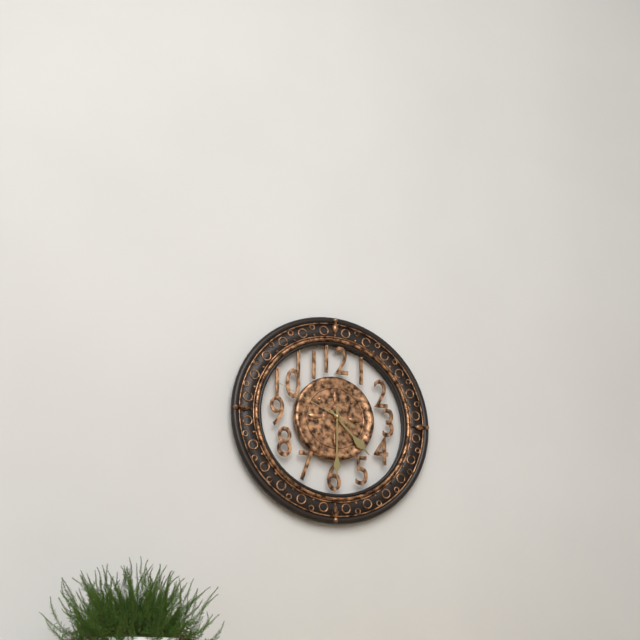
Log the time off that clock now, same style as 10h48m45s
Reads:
4h30m49s
